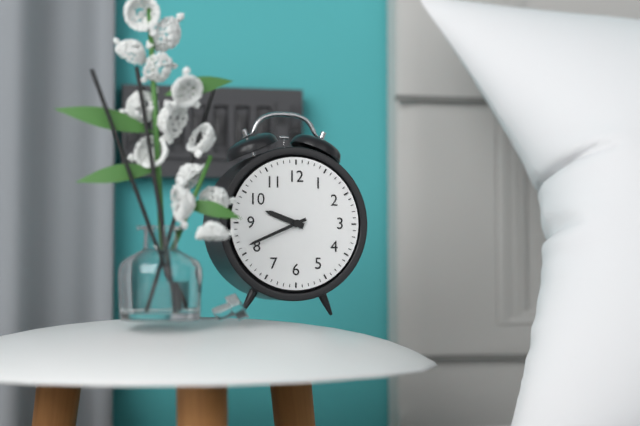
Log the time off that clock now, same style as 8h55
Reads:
9h41
